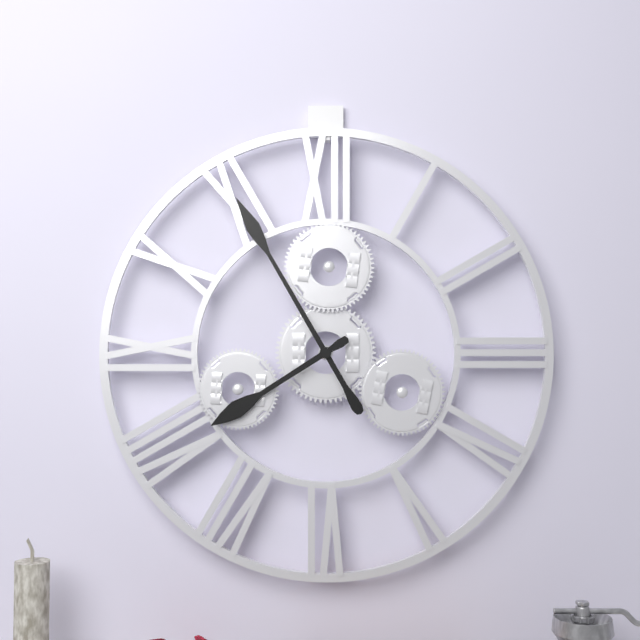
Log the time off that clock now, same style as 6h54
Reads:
7h55
